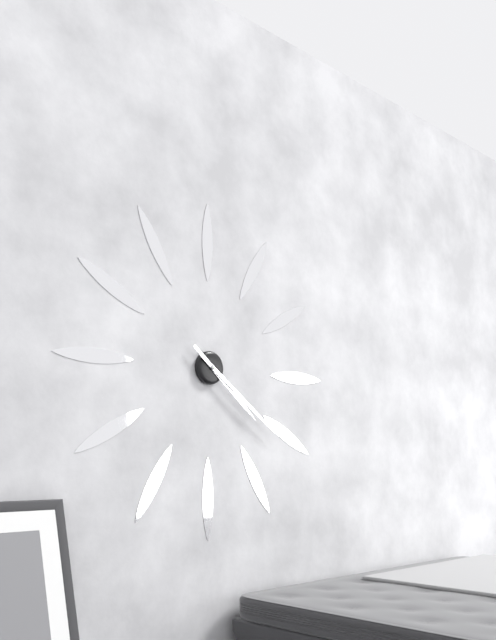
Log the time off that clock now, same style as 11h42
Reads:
4h21
